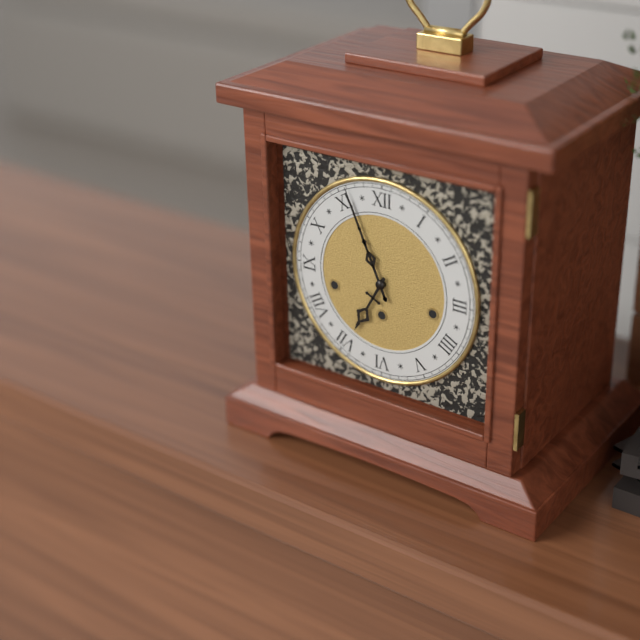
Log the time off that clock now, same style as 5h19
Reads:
6h56
